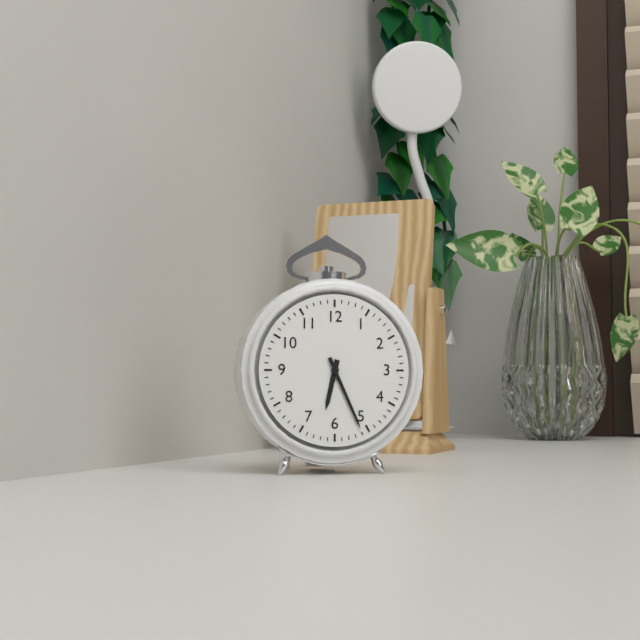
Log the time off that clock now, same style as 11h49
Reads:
6h26
